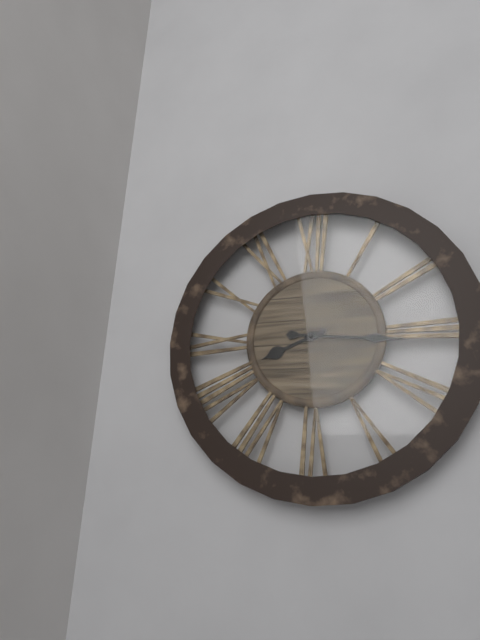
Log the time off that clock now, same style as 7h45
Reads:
8h16
